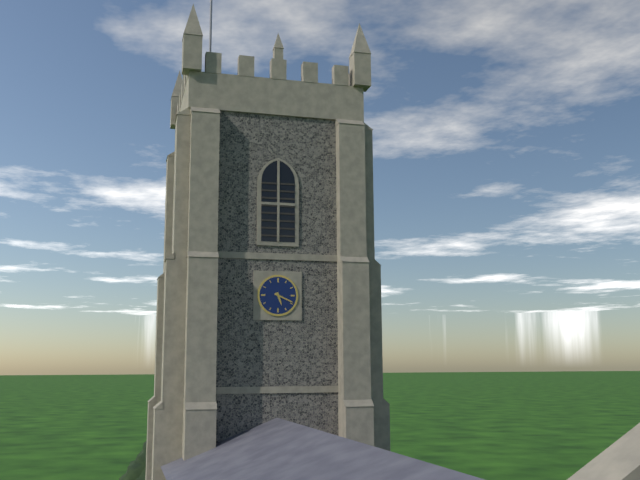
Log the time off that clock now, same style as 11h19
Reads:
5h19
